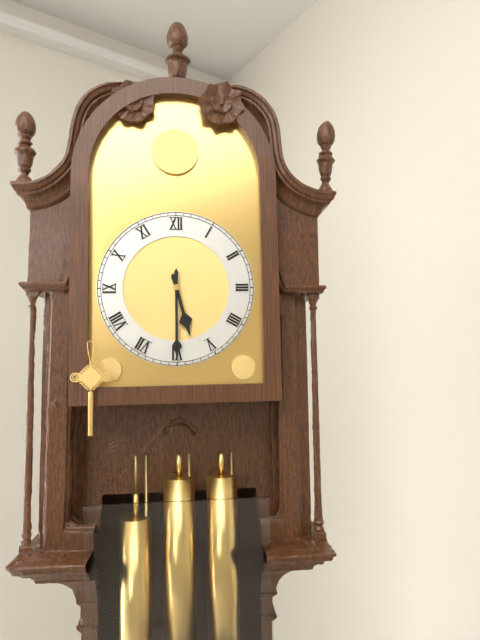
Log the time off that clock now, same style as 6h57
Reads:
5h30
